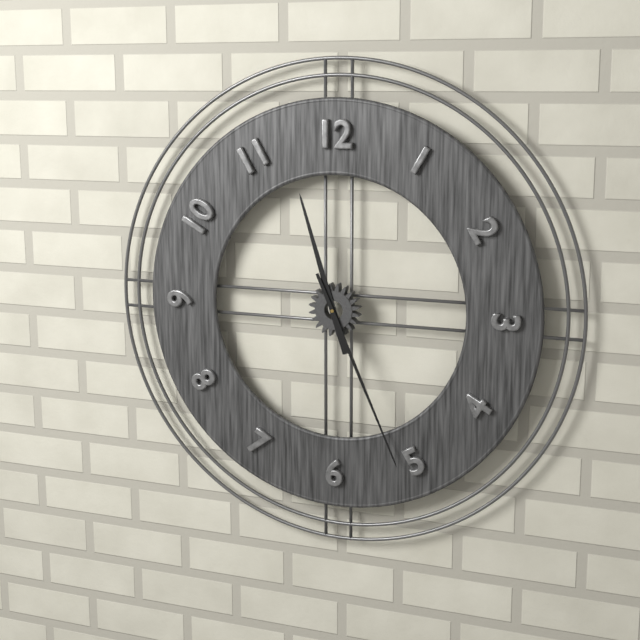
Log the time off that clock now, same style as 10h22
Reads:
11h26
